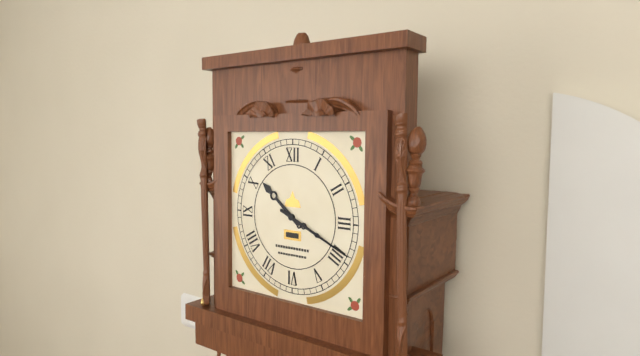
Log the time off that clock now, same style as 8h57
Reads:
10h19
